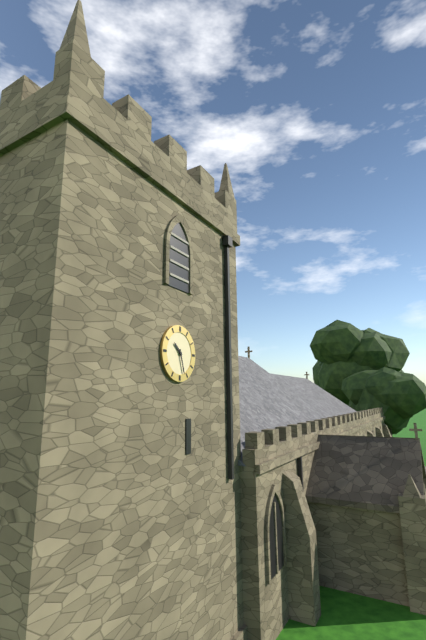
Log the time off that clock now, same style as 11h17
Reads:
10h27
